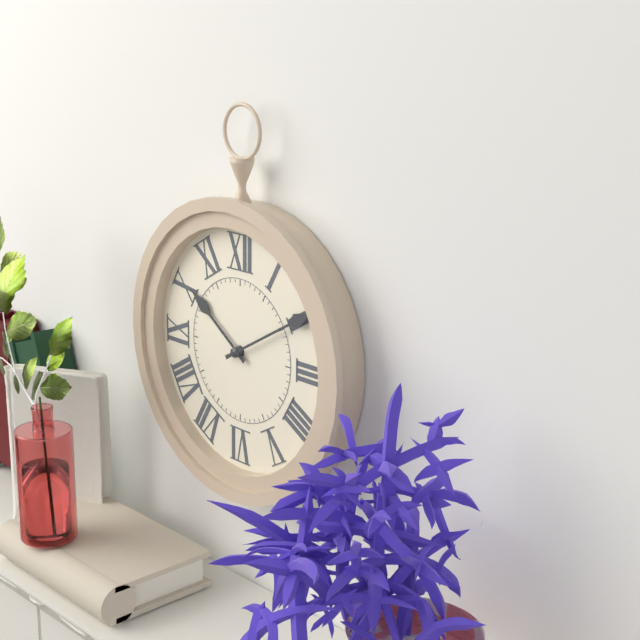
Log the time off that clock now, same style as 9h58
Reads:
10h10
